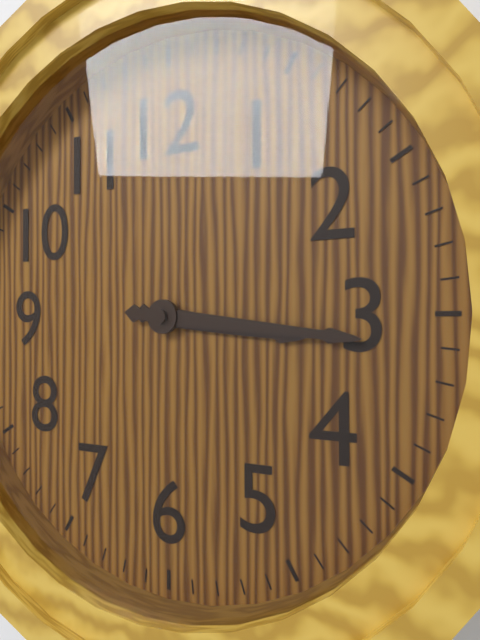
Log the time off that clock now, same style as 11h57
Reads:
3h16
